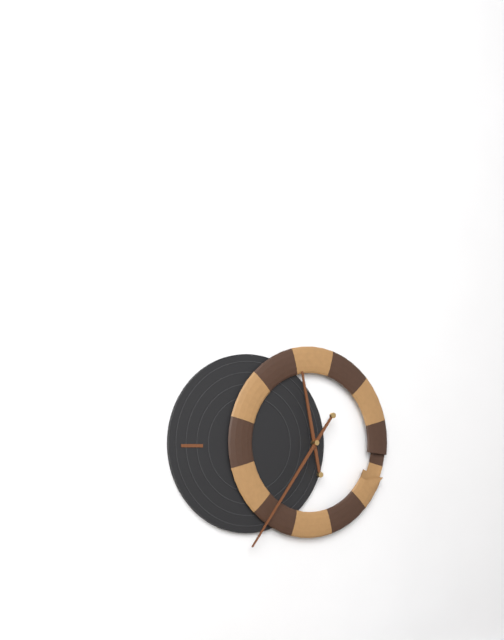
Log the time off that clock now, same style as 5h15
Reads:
11h36
